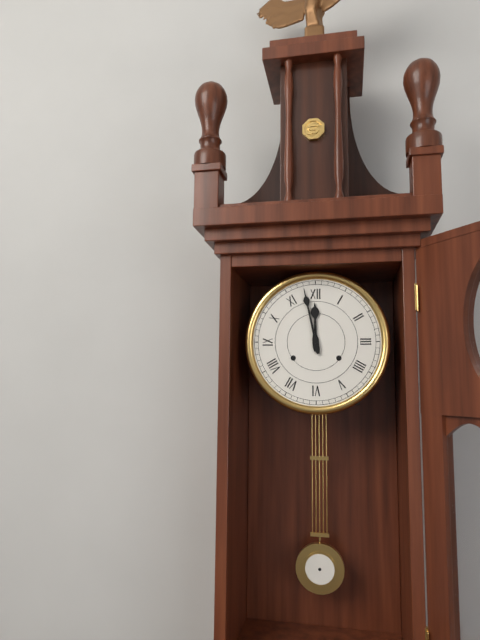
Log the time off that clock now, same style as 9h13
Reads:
11h58
